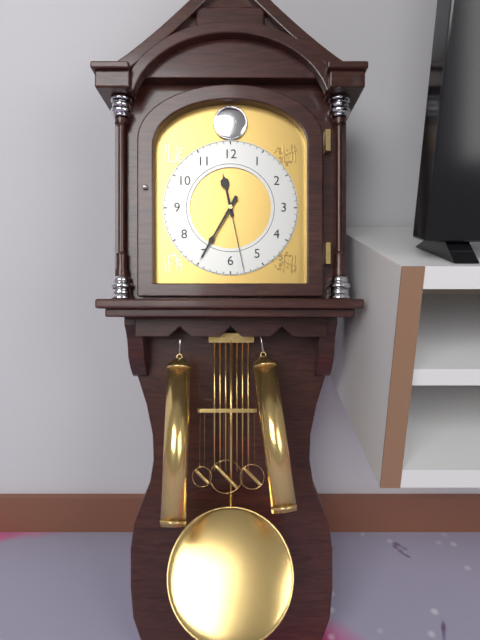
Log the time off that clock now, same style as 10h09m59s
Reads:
11h35m28s
